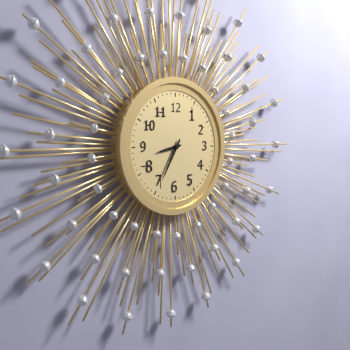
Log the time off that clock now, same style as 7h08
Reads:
8h35
